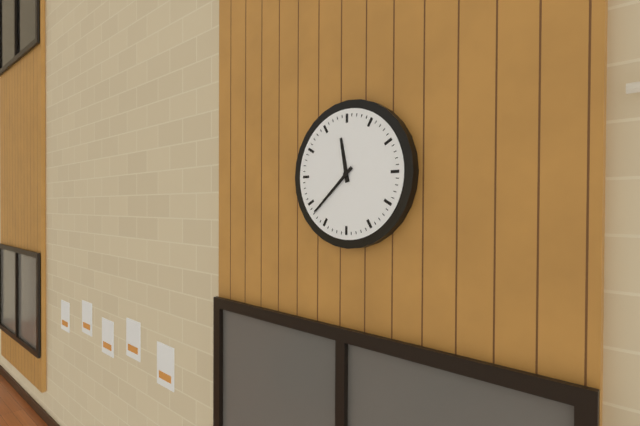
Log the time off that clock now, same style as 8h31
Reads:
11h38
